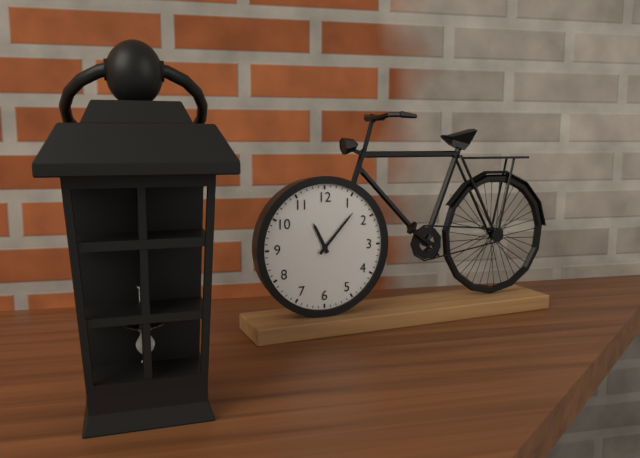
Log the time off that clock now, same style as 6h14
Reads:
11h07
